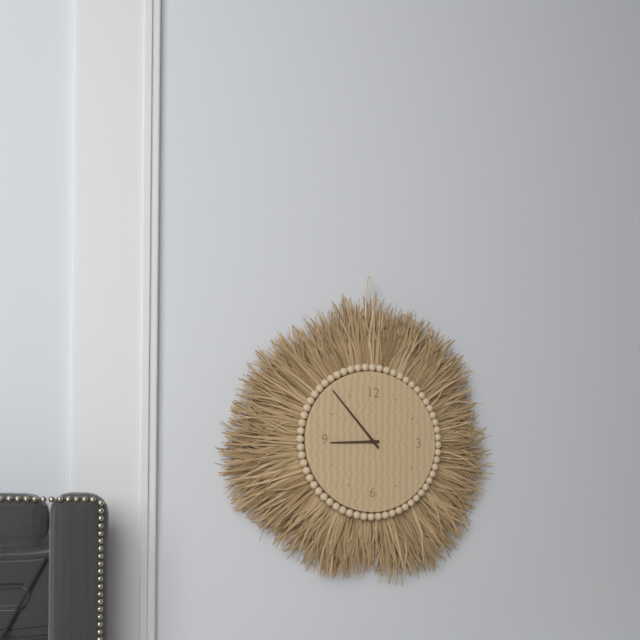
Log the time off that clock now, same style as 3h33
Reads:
8h53
